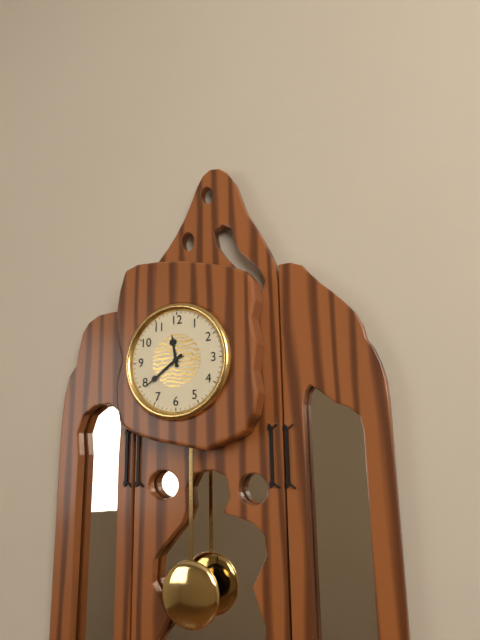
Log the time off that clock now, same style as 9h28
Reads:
11h39
